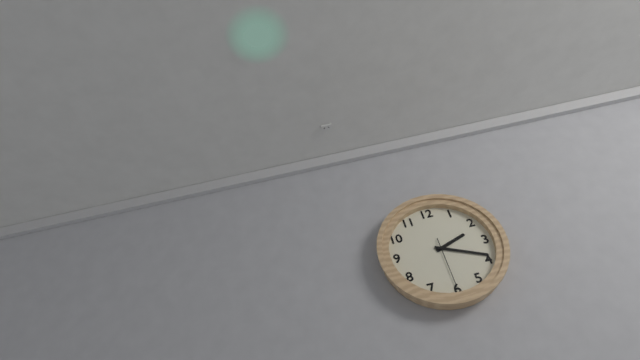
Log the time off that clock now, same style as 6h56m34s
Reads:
2h19m30s
